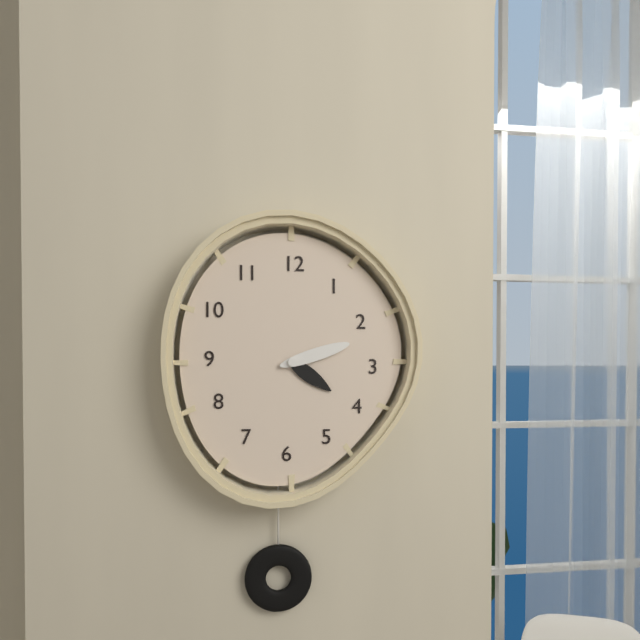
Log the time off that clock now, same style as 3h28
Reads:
4h12
